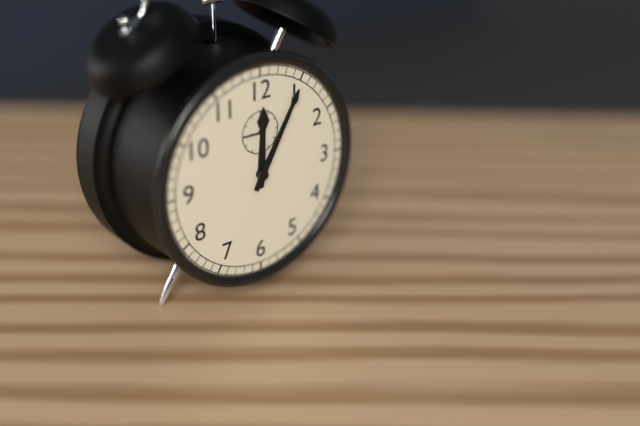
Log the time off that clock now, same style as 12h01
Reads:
12h05
